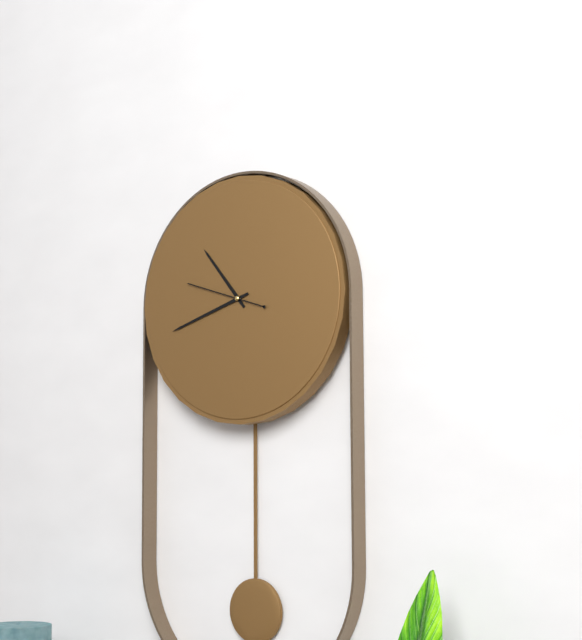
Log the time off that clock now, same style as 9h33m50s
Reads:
10h42m48s
